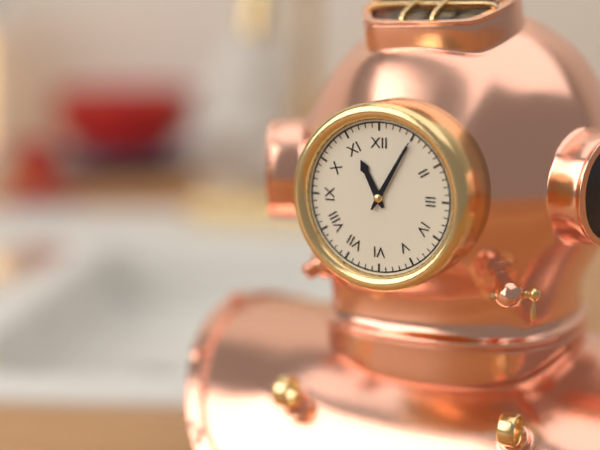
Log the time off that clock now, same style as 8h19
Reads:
11h05
